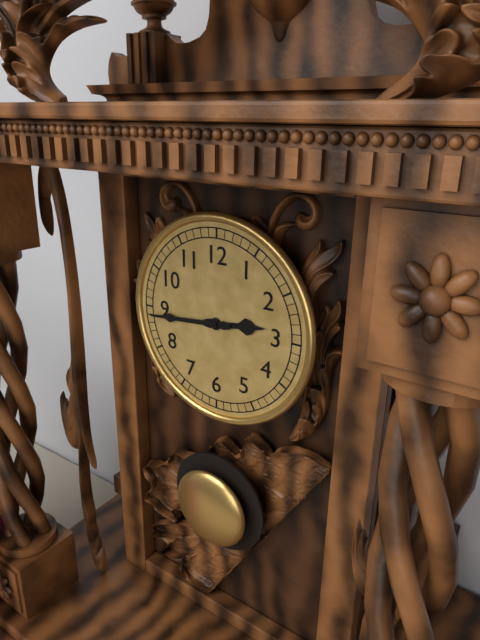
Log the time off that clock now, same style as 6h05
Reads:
2h44
